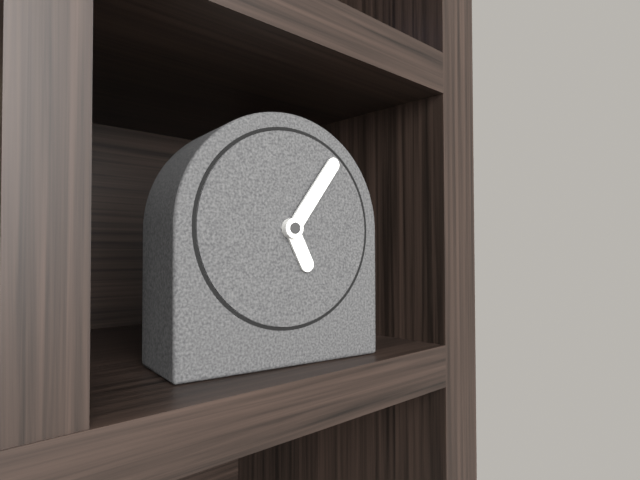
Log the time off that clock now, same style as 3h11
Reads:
5h06
